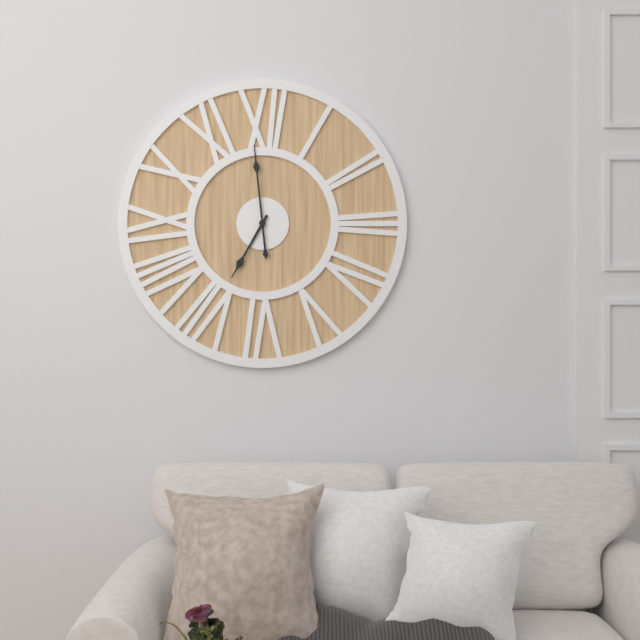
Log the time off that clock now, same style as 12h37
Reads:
6h59
